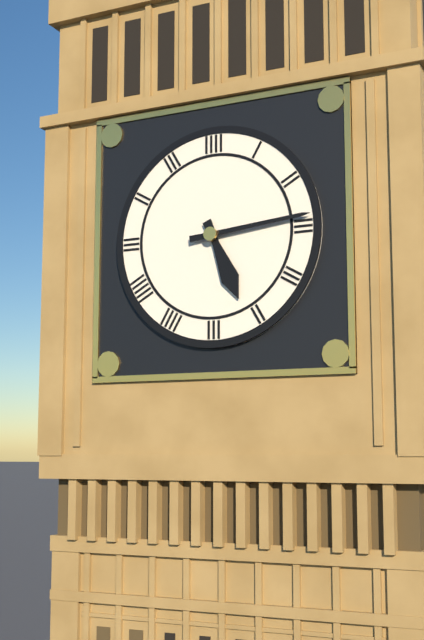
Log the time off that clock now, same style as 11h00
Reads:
5h14
